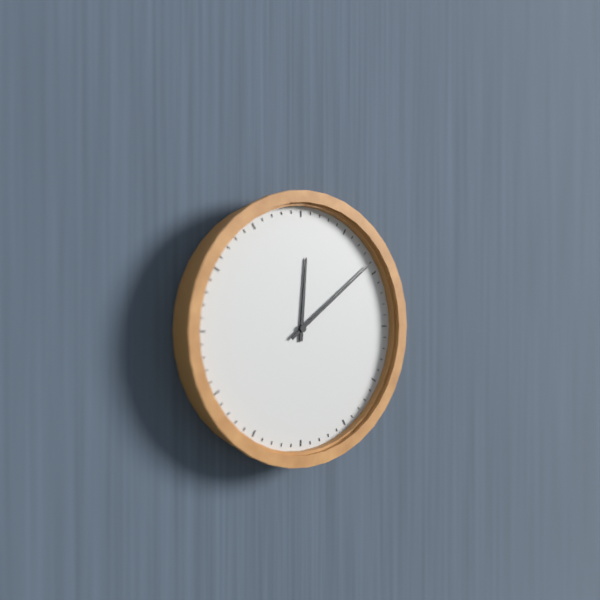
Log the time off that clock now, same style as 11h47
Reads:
12h09
